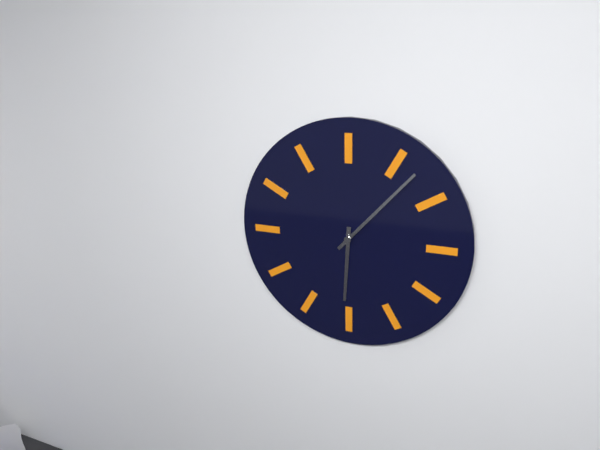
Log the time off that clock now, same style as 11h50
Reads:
6h07
